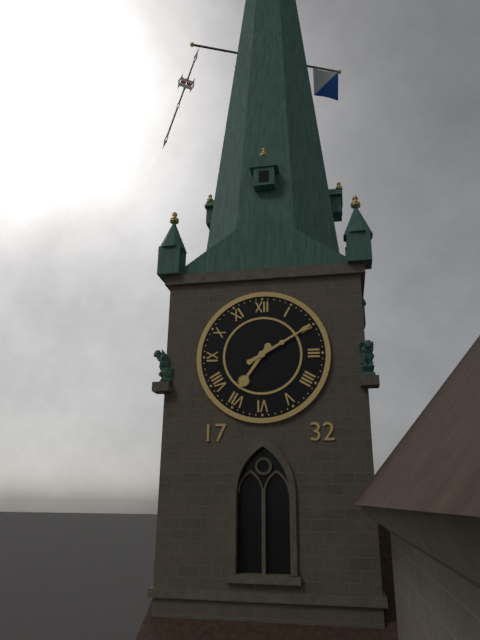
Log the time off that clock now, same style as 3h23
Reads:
7h10
